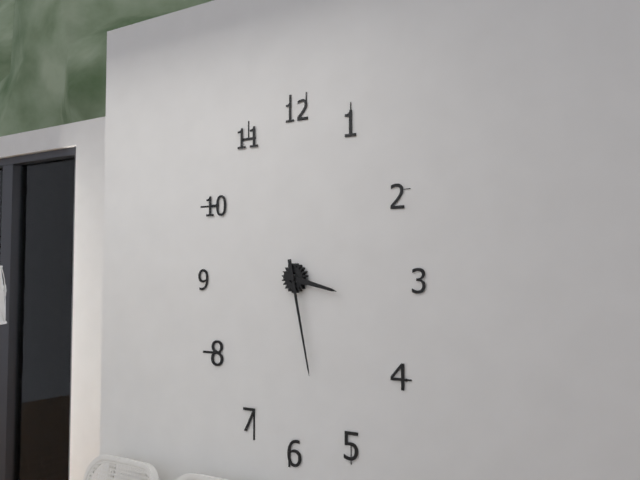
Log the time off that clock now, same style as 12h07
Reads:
3h28
